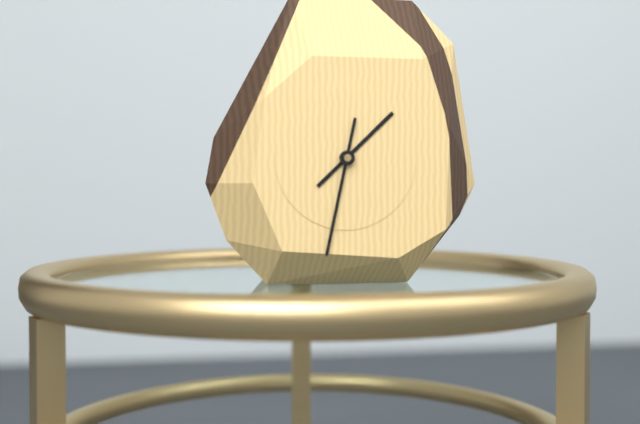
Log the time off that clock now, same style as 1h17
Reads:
1h32
